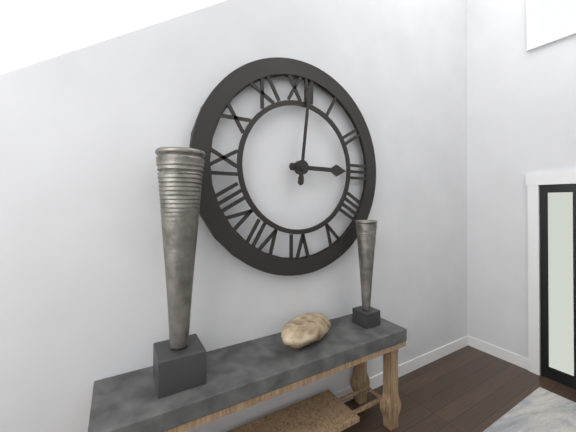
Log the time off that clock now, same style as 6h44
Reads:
3h01
